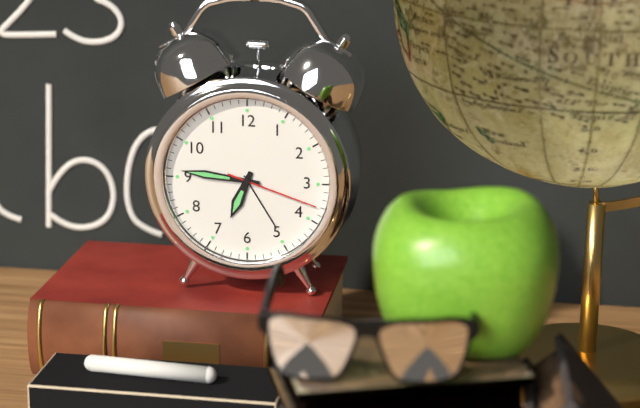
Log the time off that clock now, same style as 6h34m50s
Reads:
6h46m18s
